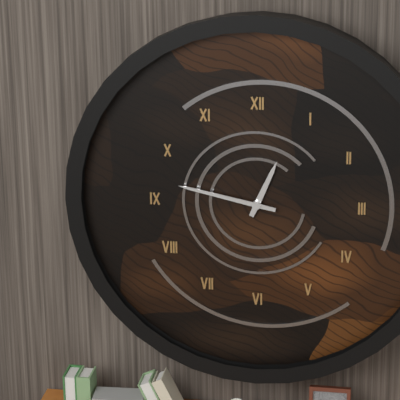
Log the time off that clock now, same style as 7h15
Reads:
12h47
